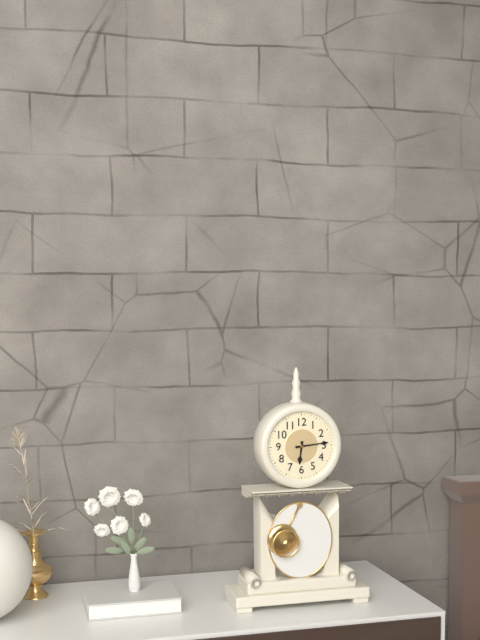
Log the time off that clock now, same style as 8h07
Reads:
6h14
